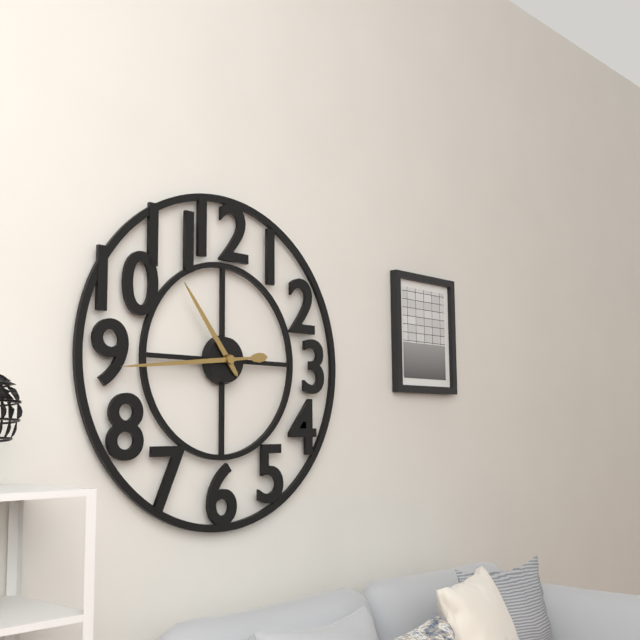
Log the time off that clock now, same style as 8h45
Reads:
10h44
